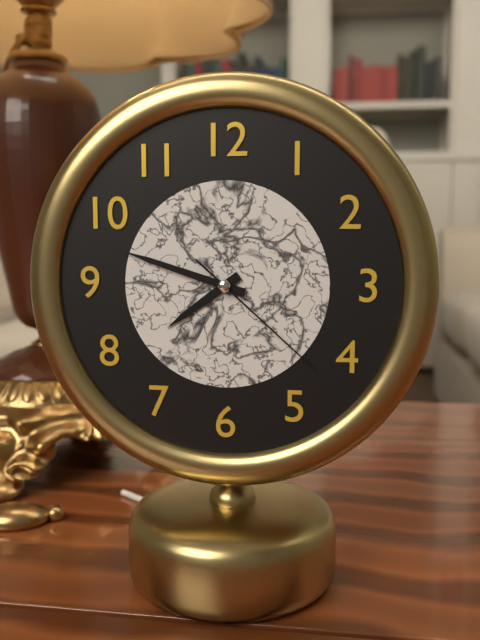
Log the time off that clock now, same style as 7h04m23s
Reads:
7h48m22s
